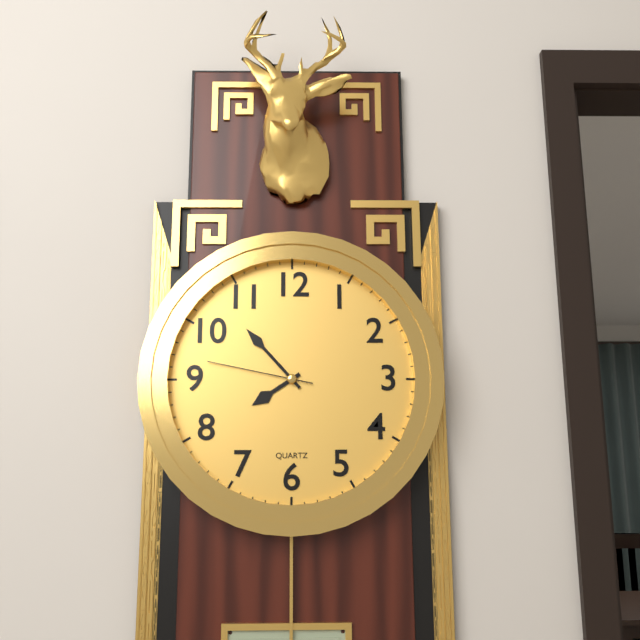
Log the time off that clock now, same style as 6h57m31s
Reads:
7h53m47s
